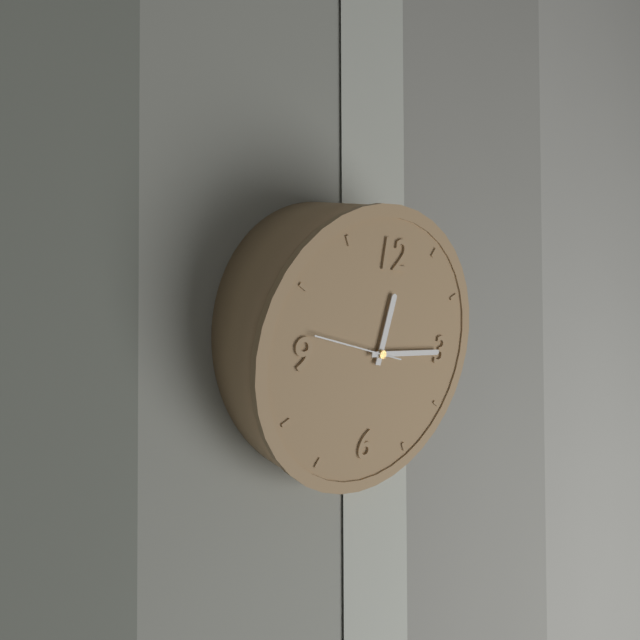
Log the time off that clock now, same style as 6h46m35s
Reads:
12h15m47s
